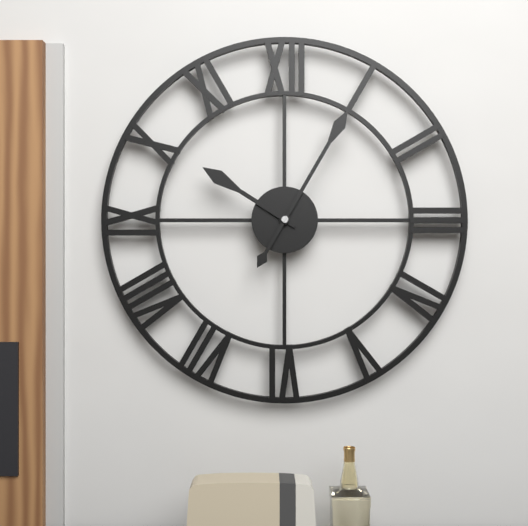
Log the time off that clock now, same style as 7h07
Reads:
10h05
